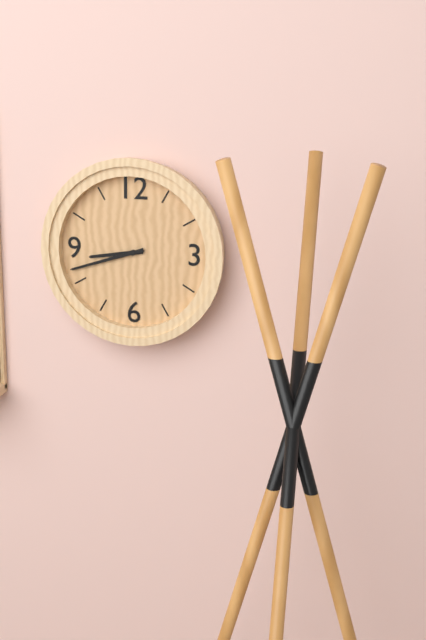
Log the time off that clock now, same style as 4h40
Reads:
8h42
